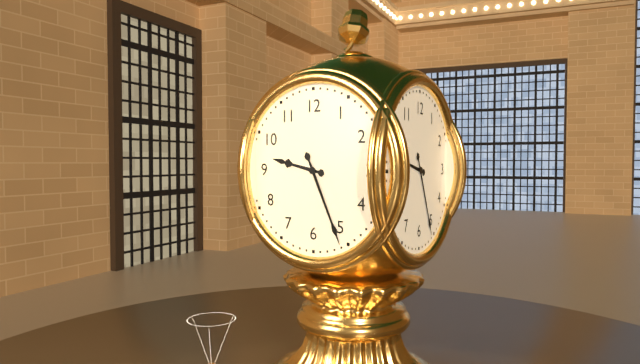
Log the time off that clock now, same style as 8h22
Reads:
9h26
